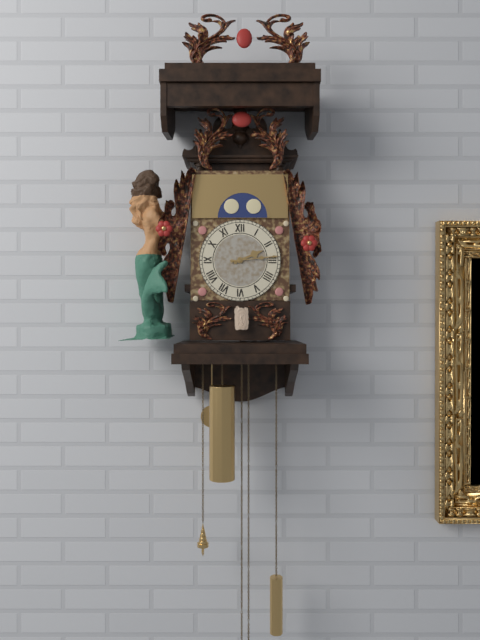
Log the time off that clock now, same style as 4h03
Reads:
2h14
